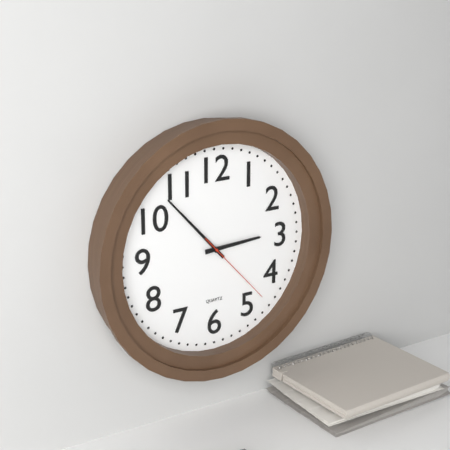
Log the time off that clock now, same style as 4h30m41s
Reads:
2h53m23s
